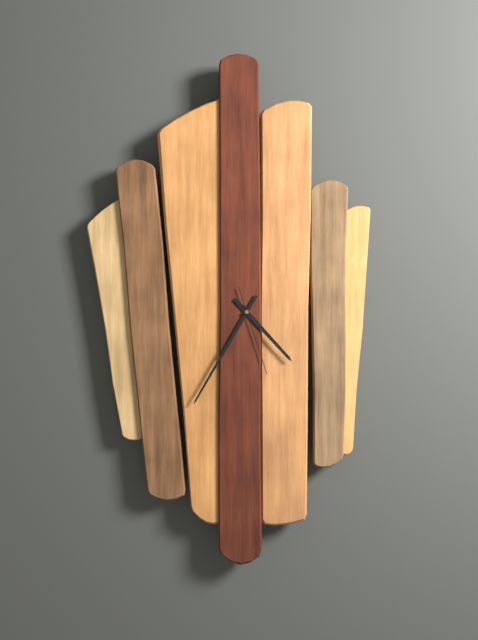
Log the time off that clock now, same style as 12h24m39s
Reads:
4h35m27s
